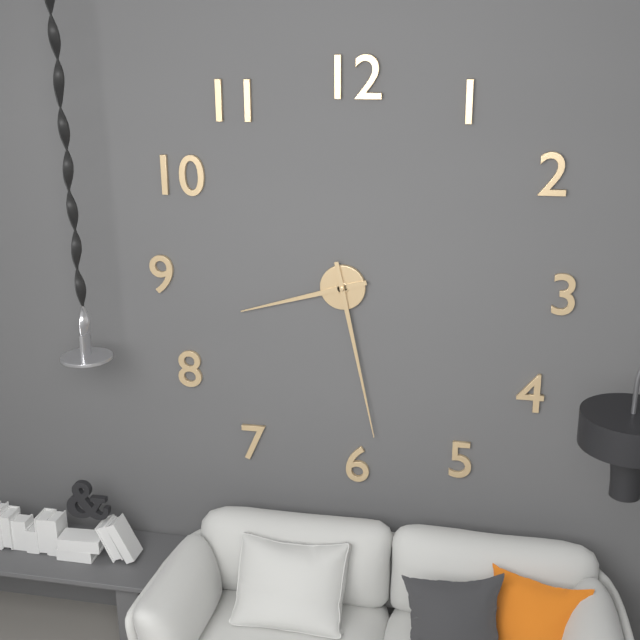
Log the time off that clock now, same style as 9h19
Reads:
8h28
